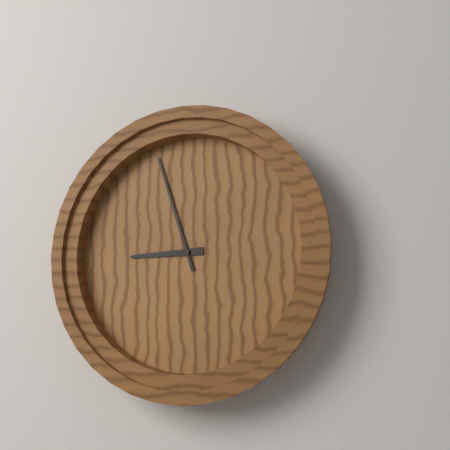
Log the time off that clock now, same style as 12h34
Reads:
8h57
